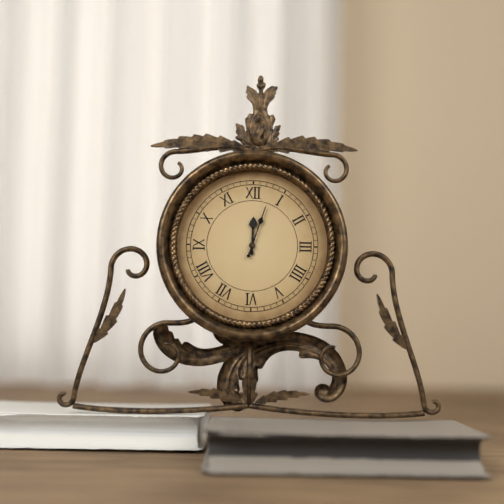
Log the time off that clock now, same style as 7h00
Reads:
12h03
